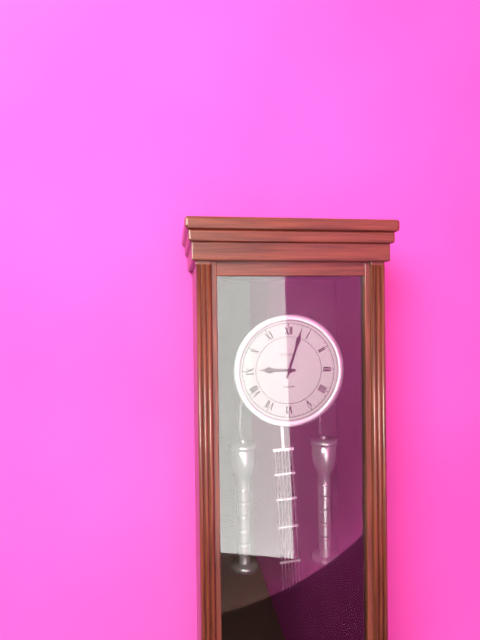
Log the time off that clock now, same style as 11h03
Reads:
9h03
